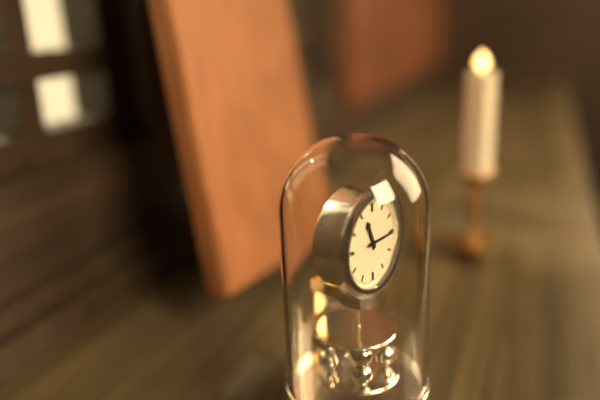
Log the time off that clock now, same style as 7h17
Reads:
11h15
